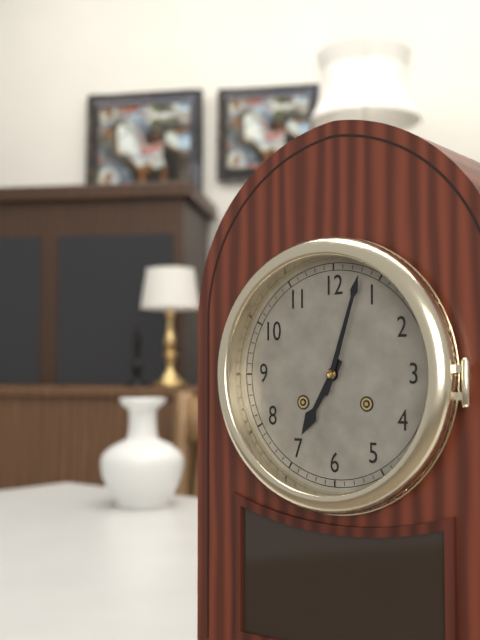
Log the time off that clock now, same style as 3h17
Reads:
7h03
